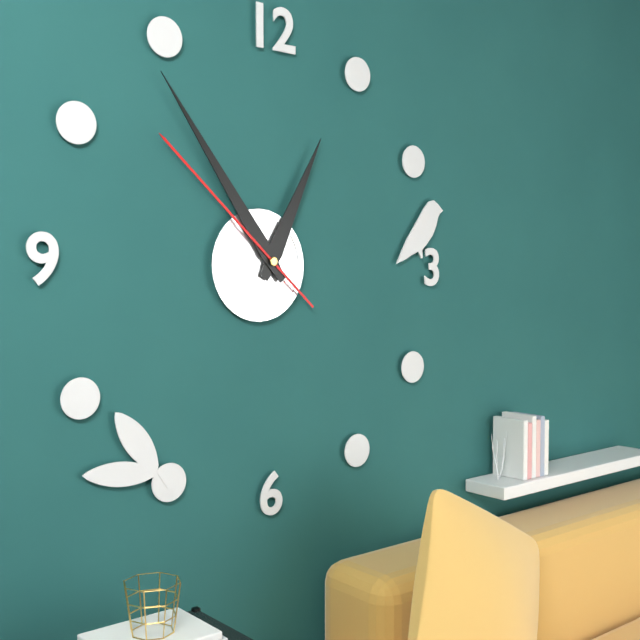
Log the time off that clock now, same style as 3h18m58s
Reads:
12h54m52s
